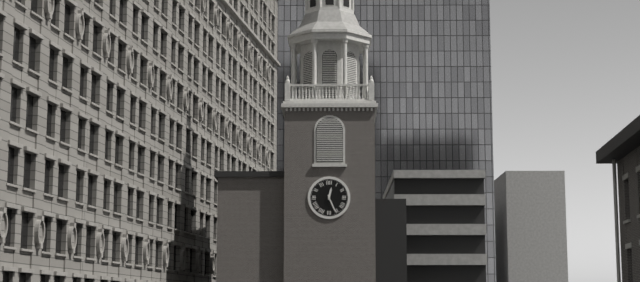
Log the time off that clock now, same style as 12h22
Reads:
12h26
